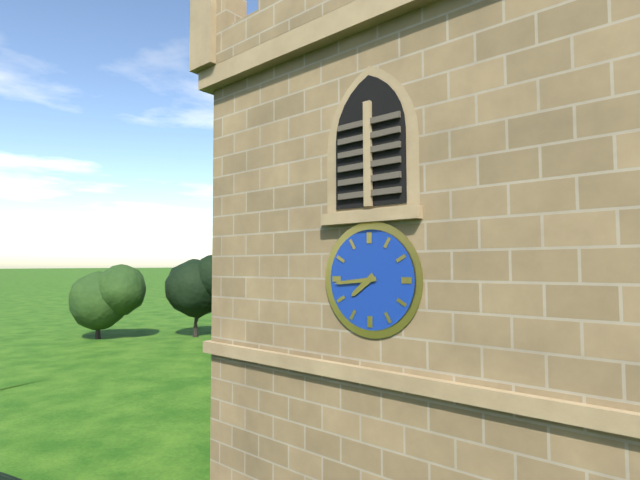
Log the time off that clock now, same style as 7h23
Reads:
7h44
